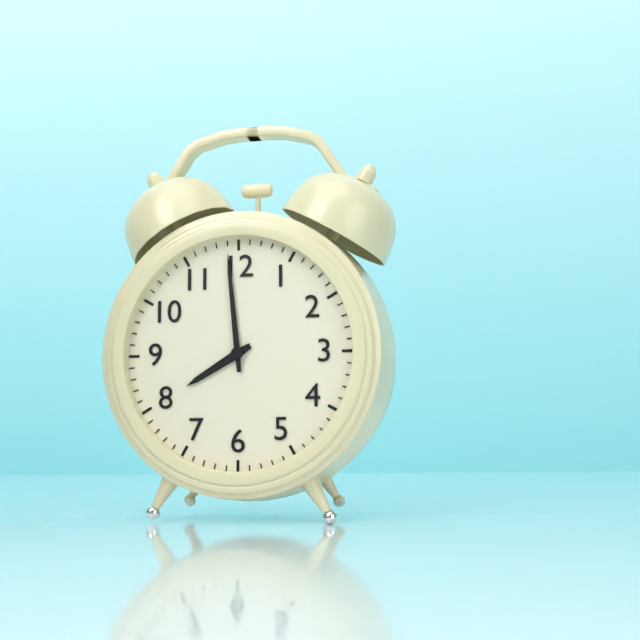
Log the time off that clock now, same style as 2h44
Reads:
7h59
